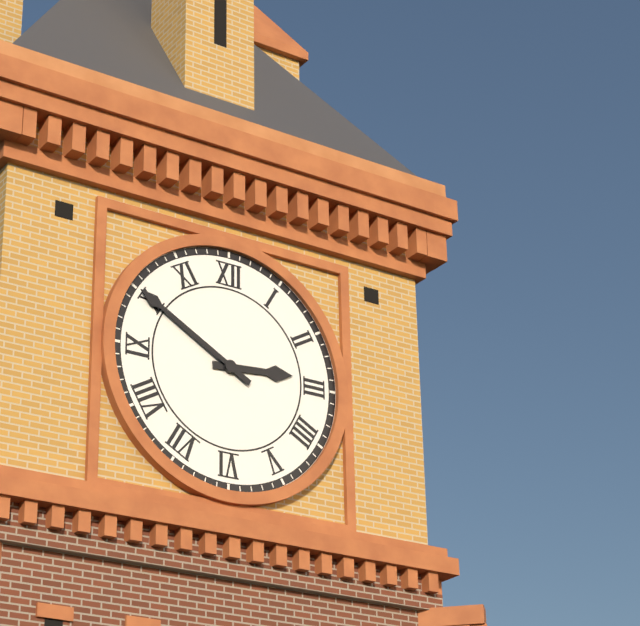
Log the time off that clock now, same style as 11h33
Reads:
2h50
